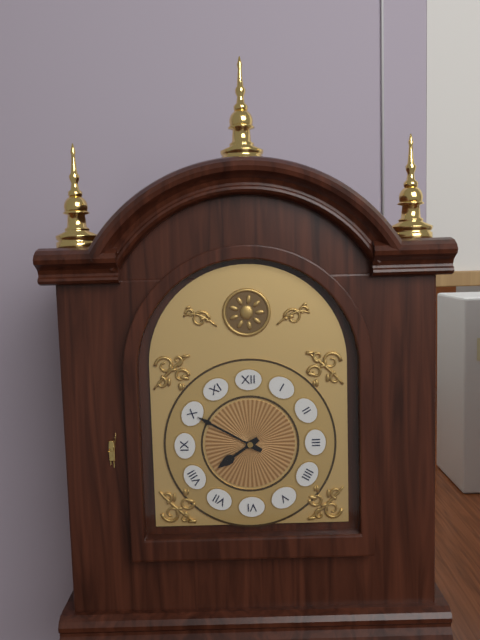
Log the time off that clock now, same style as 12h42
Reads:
7h50
